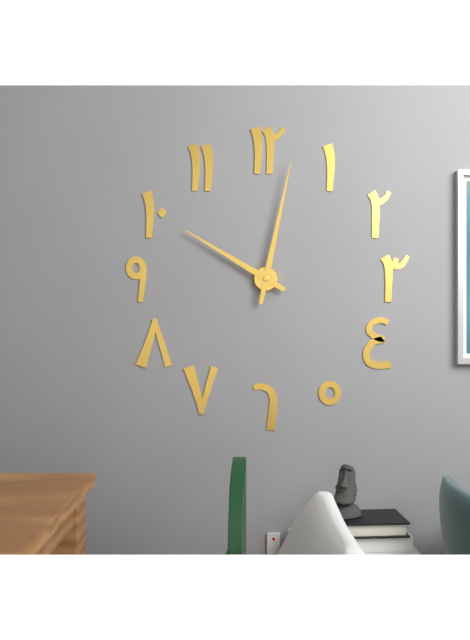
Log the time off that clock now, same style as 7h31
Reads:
10h02
